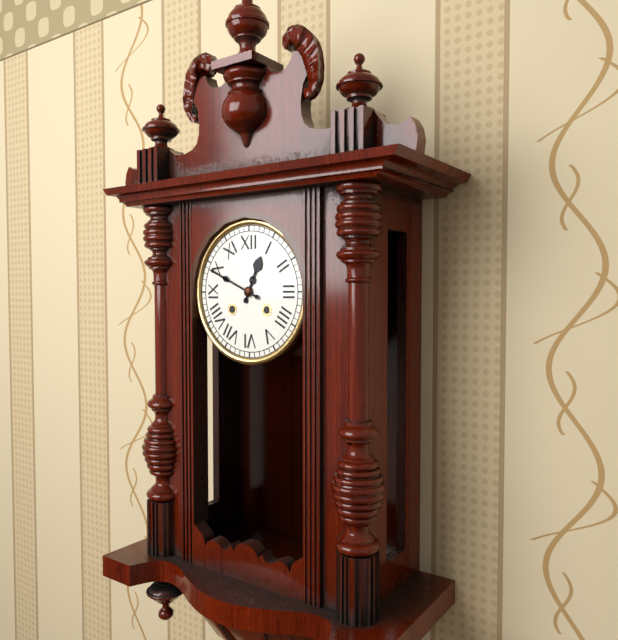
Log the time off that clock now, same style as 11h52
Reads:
12h49
